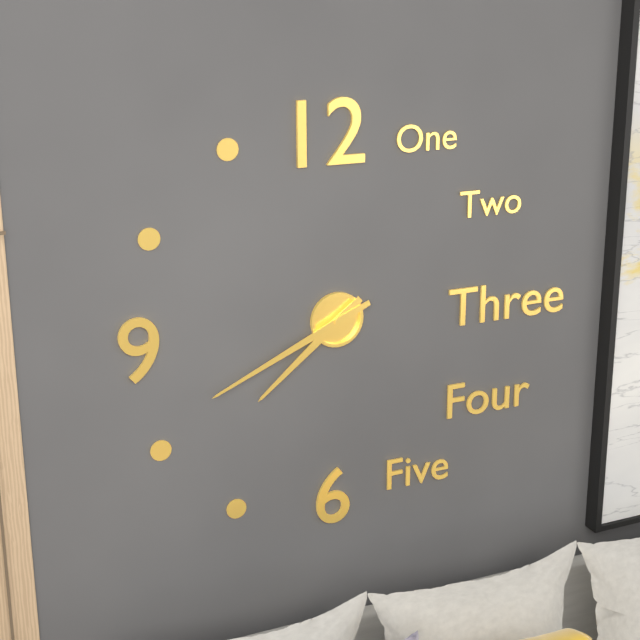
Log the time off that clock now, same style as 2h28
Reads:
7h41
